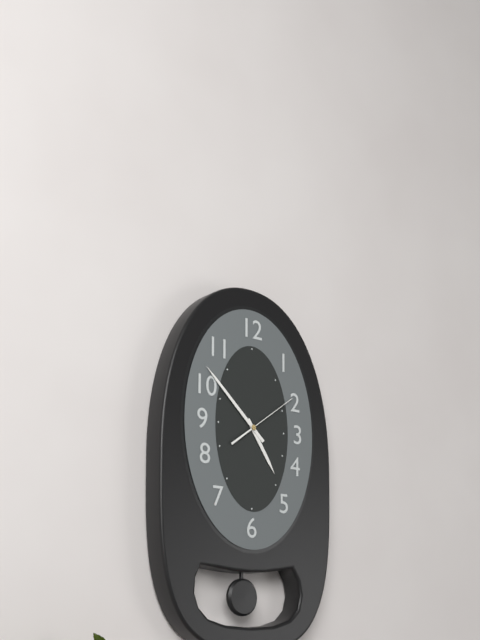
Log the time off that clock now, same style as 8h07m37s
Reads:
4h52m09s
